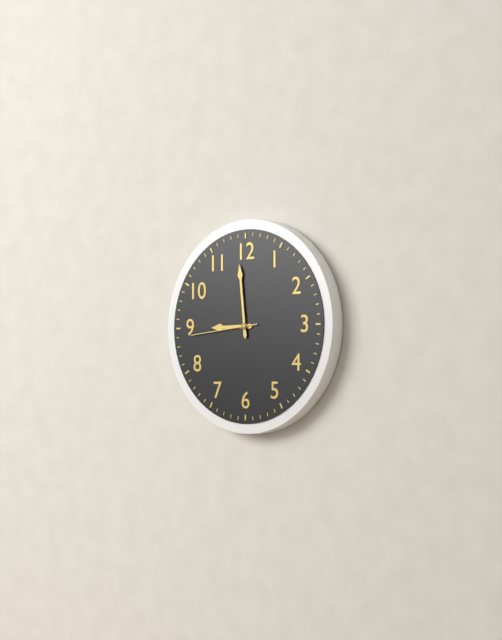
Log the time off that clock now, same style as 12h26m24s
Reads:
8h59m44s
